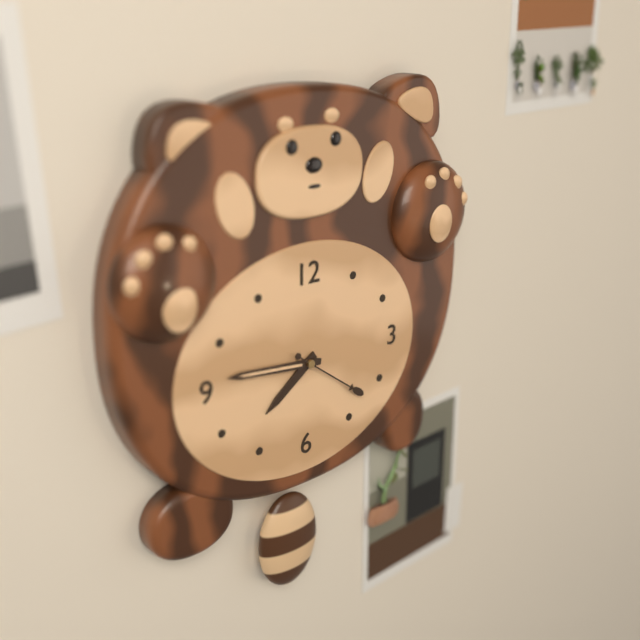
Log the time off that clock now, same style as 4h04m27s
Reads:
7h46m21s
